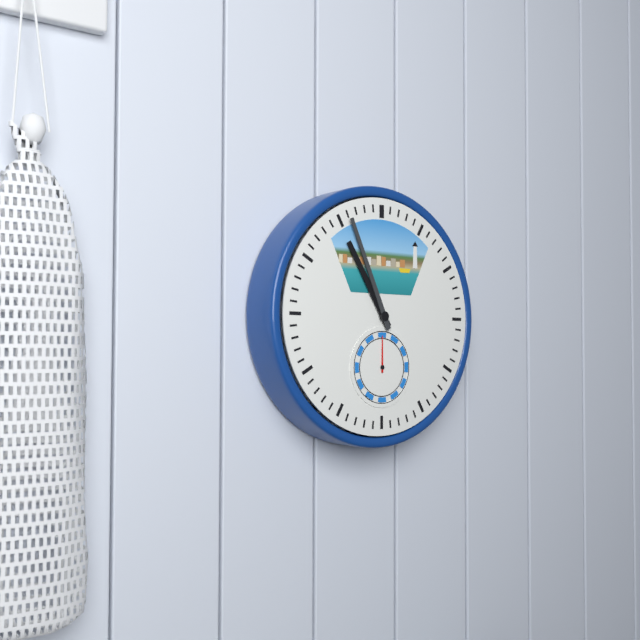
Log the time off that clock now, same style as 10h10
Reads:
10h56
